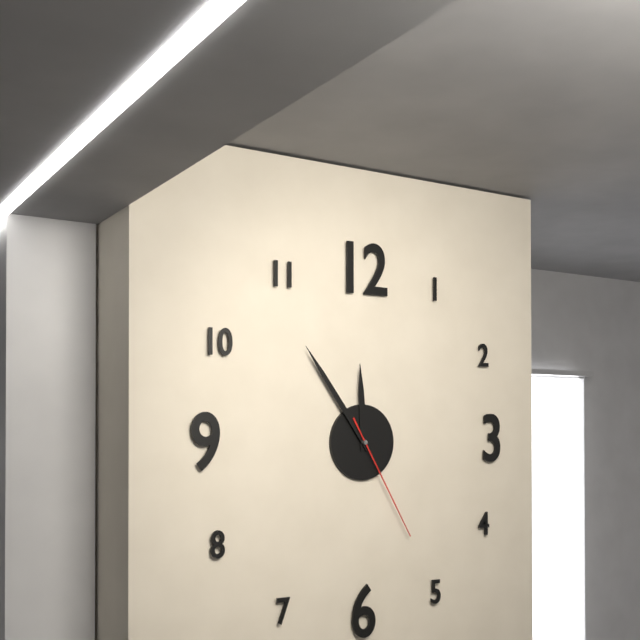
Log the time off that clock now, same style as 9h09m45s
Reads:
11h54m25s
